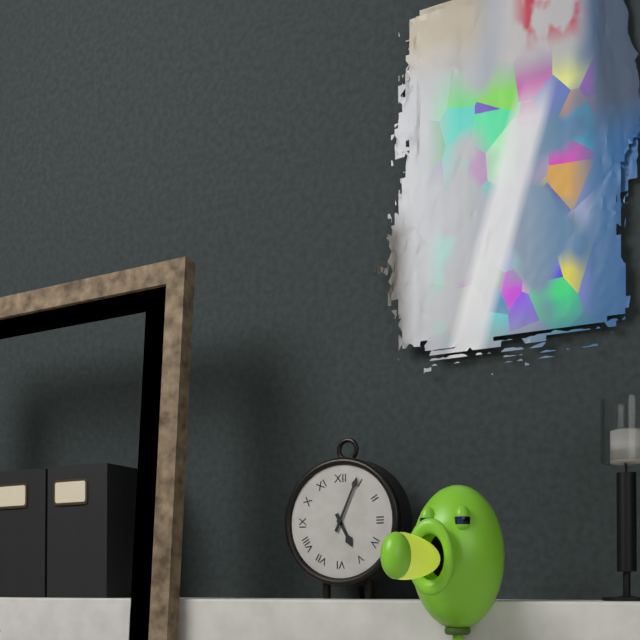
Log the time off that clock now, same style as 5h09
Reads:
5h04
